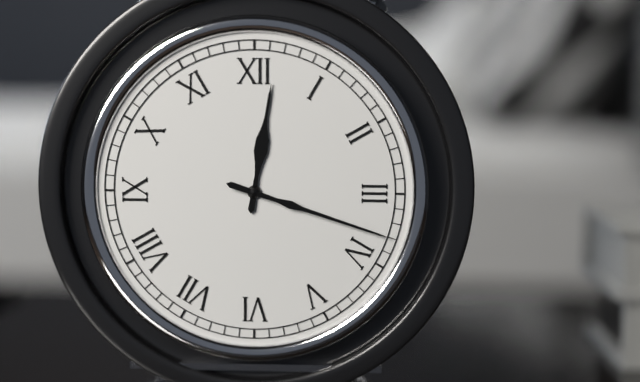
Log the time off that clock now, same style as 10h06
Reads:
12h18
